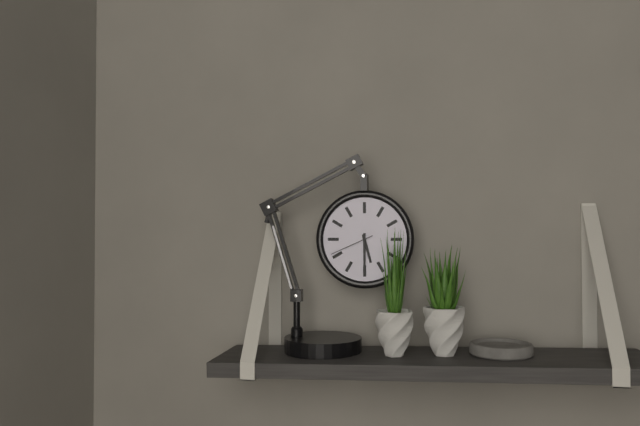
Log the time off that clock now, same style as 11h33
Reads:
5h30
